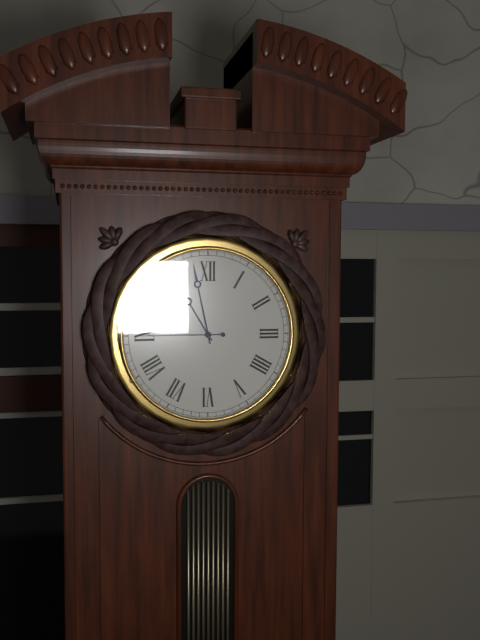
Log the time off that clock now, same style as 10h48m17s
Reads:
10h58m45s
